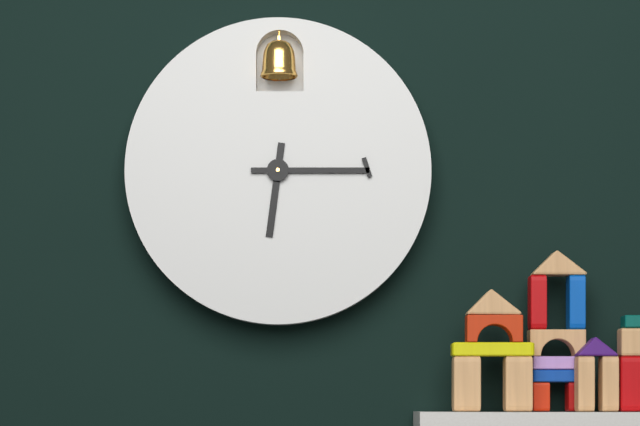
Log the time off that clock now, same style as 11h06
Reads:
6h15
